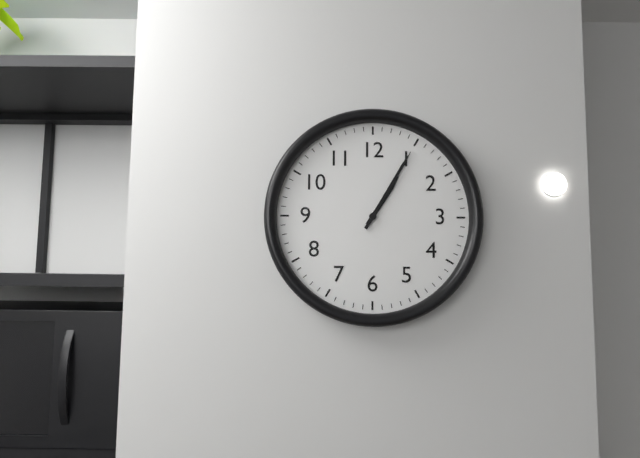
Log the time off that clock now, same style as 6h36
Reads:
1h05
